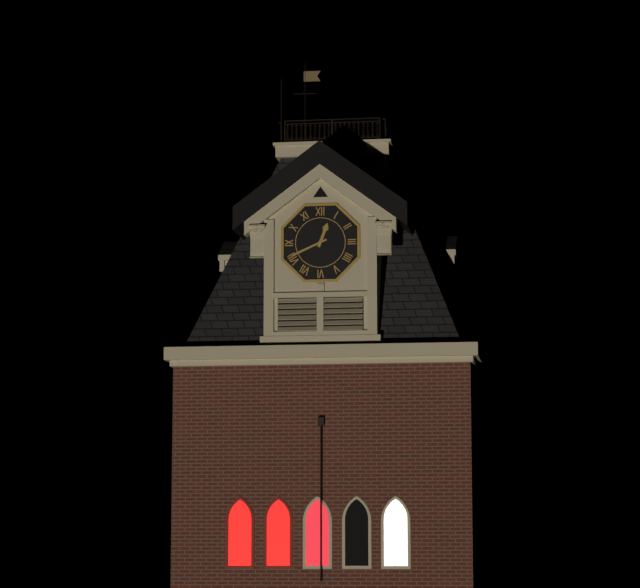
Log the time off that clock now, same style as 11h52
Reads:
12h41
